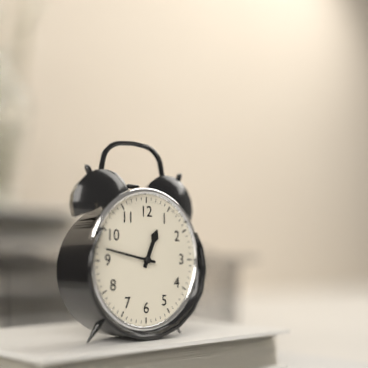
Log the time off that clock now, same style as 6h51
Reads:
12h47
